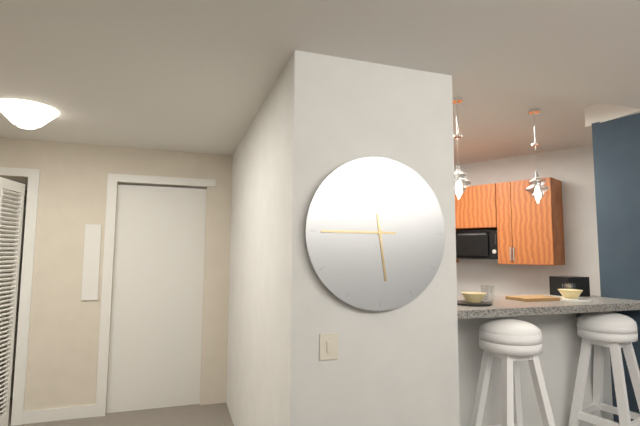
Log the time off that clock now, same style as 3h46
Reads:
5h45
